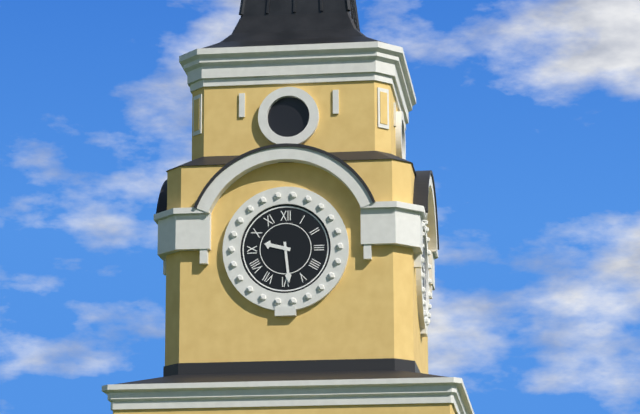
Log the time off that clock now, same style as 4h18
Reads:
9h29
